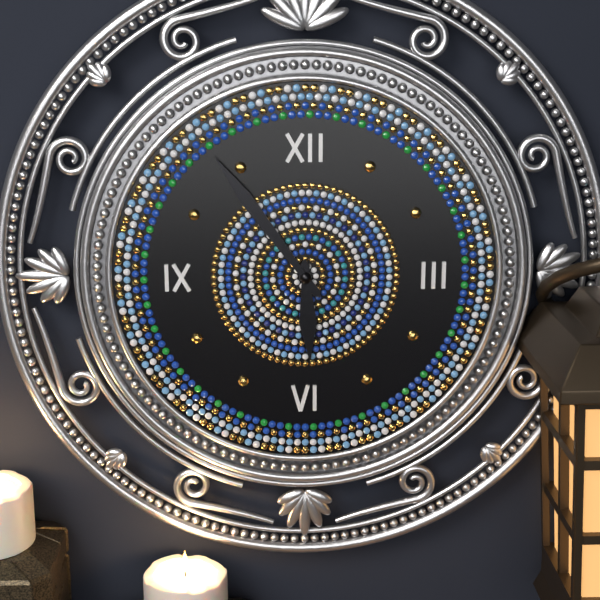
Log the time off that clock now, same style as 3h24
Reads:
5h54
